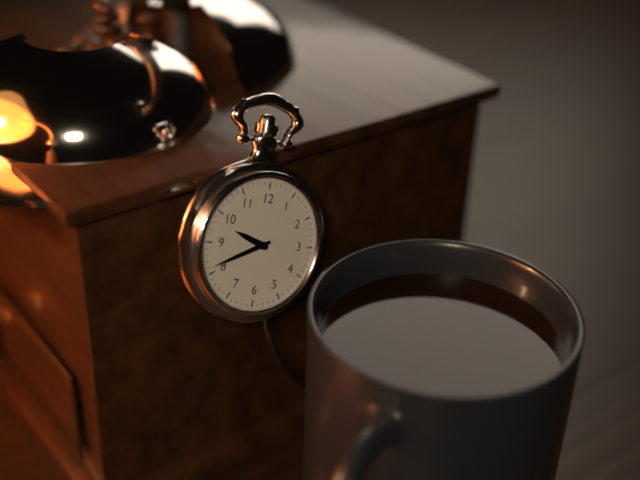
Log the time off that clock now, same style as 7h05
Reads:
9h41
